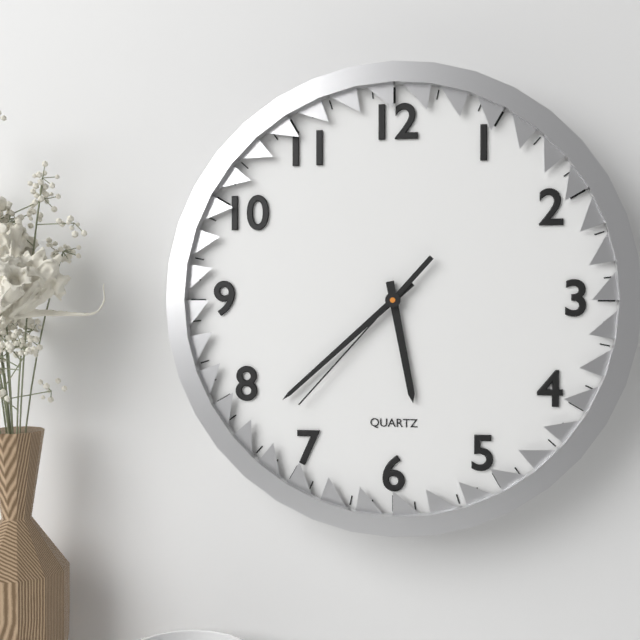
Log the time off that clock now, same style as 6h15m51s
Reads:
5h38m37s
